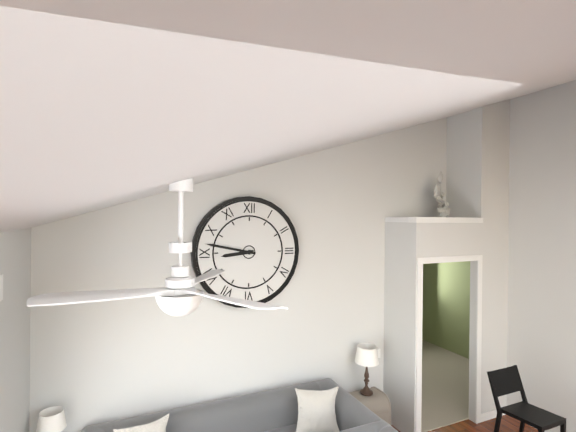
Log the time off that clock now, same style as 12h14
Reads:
8h47
